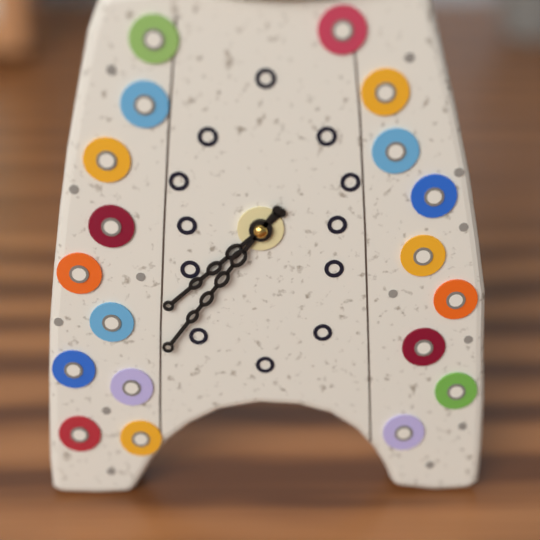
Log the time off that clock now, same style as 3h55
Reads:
7h36
